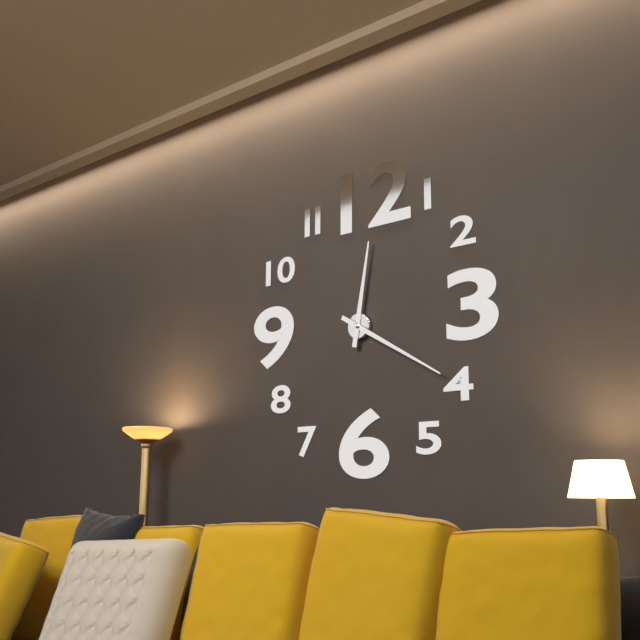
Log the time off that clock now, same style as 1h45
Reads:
12h20
